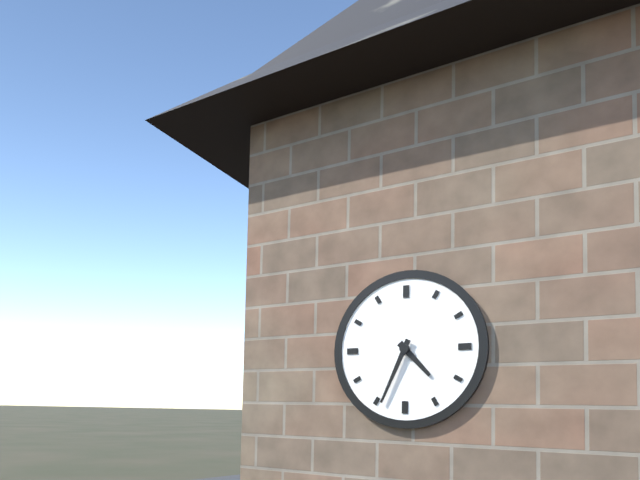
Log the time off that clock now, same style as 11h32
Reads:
4h34
